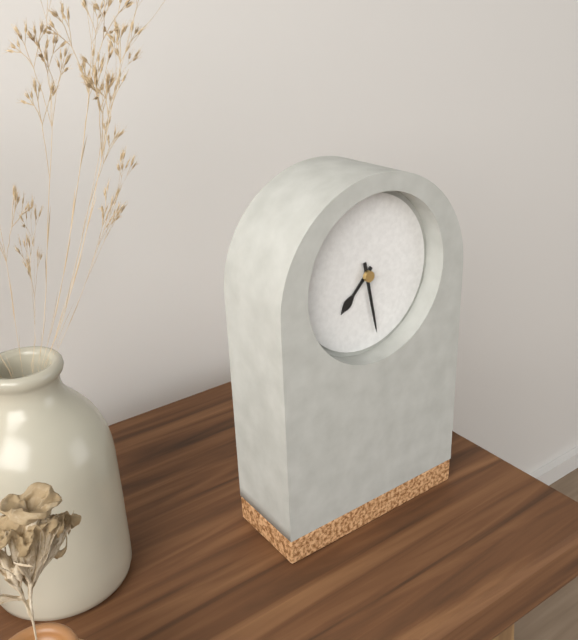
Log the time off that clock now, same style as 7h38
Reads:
7h28
